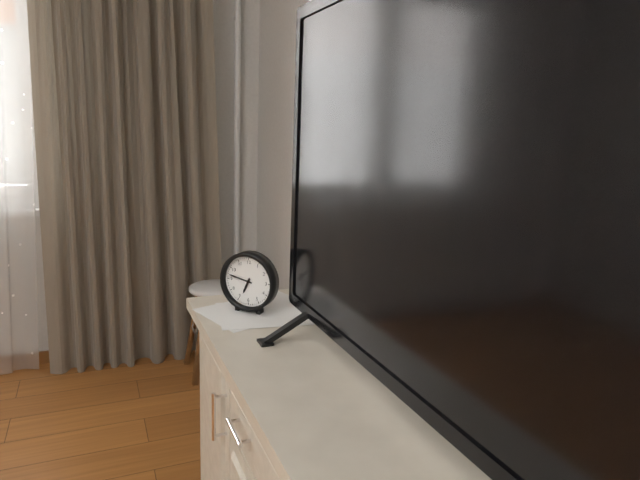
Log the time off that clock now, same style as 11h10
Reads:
6h47
